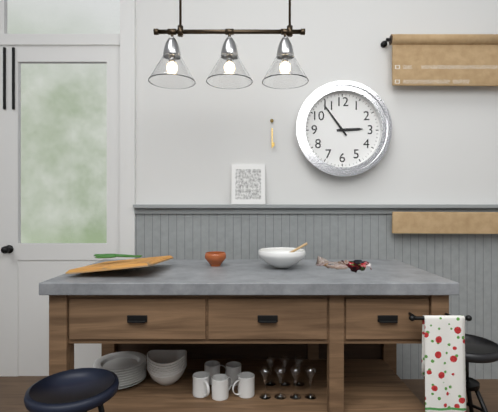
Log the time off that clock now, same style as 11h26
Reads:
2h54
